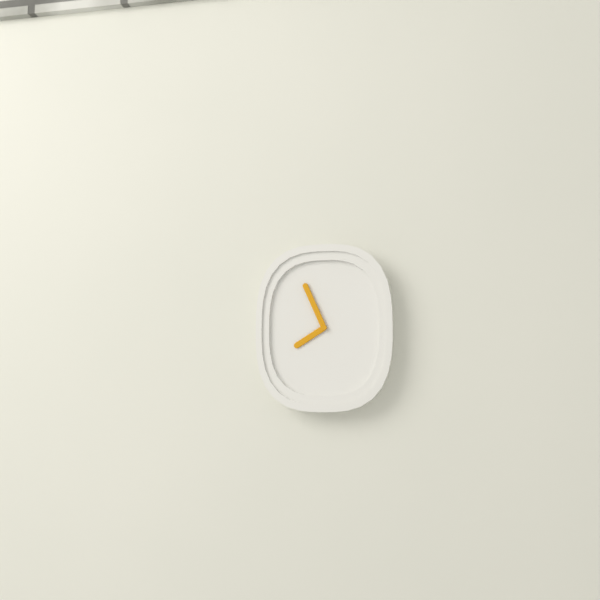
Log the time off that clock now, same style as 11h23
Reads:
7h56
